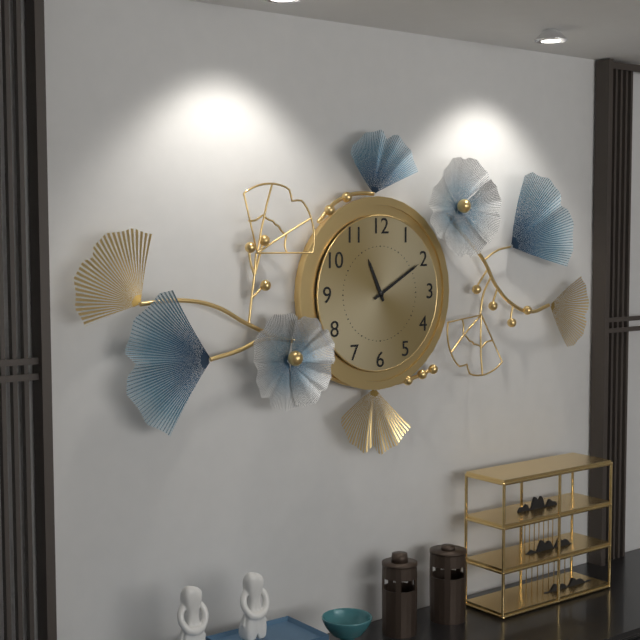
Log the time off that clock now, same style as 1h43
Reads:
11h10
